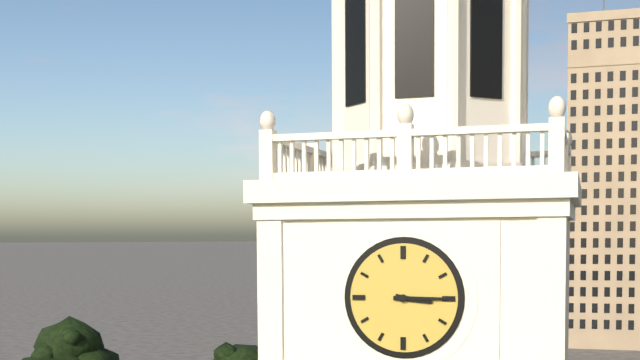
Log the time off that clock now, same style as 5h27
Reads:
3h15
